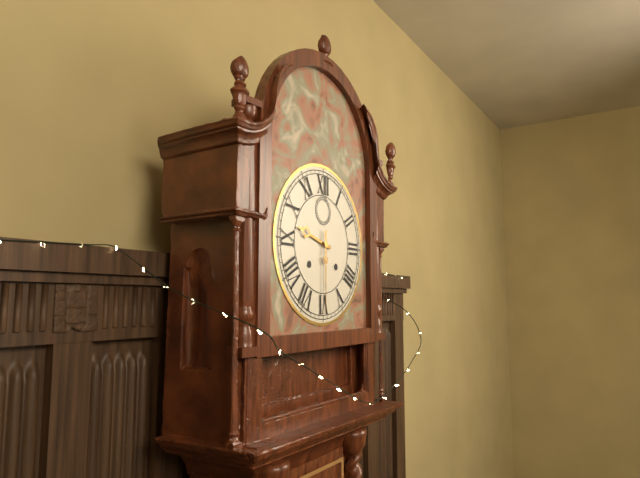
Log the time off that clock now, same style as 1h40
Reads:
9h30
